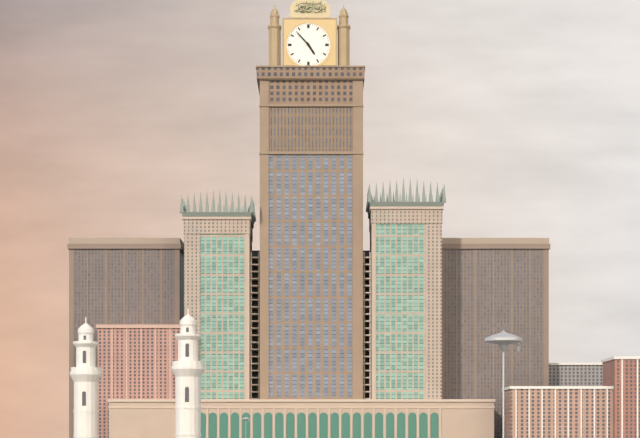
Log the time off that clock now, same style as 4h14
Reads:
4h53
